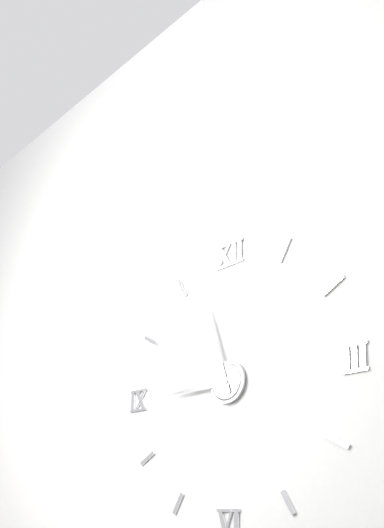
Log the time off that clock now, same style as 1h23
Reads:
8h57
